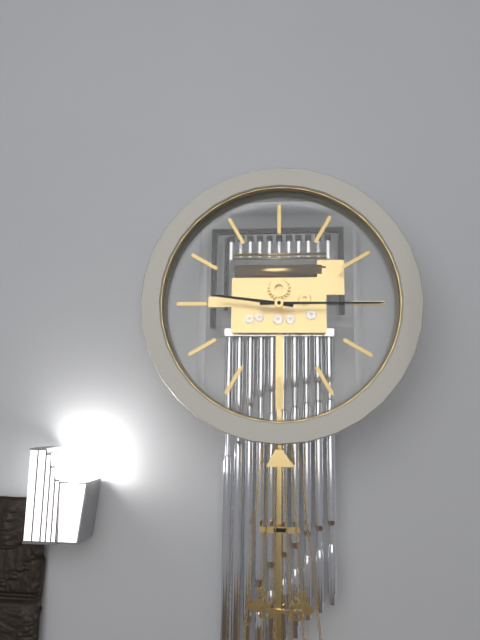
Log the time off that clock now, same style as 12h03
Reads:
9h15
